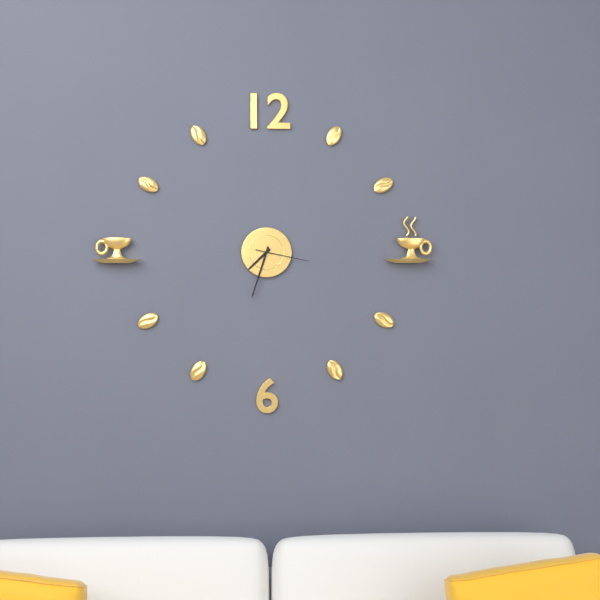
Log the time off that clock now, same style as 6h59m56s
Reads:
7h33m17s
